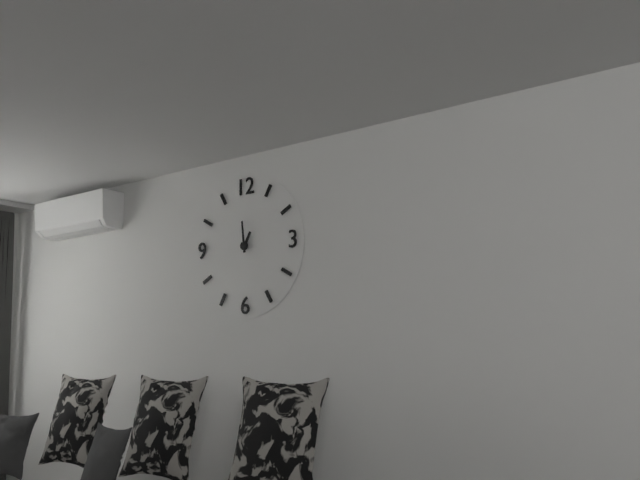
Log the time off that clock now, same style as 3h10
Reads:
12h59
